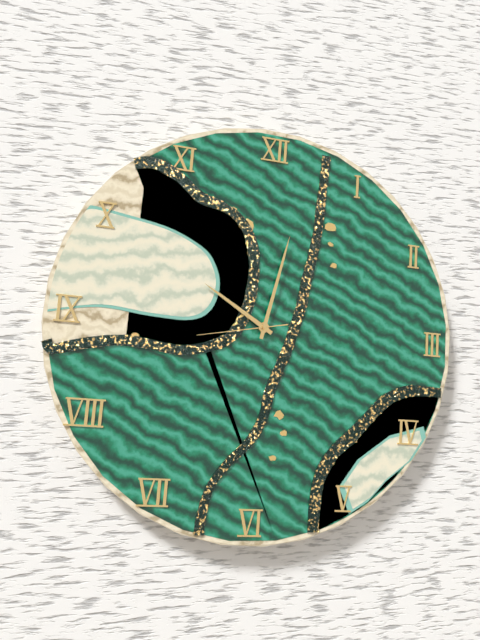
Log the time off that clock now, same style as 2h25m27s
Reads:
10h02m43s
